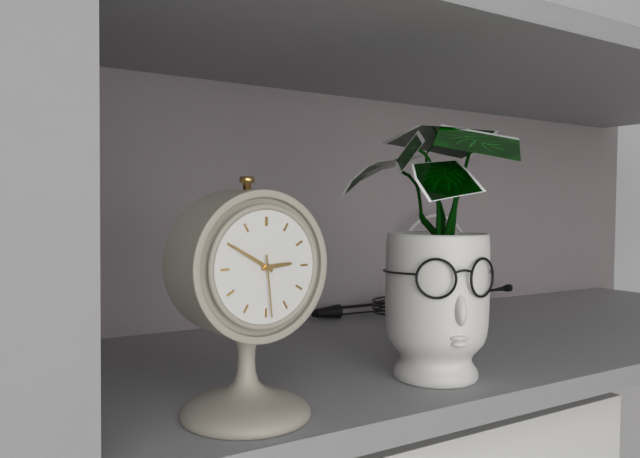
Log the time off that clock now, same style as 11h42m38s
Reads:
2h50m29s
